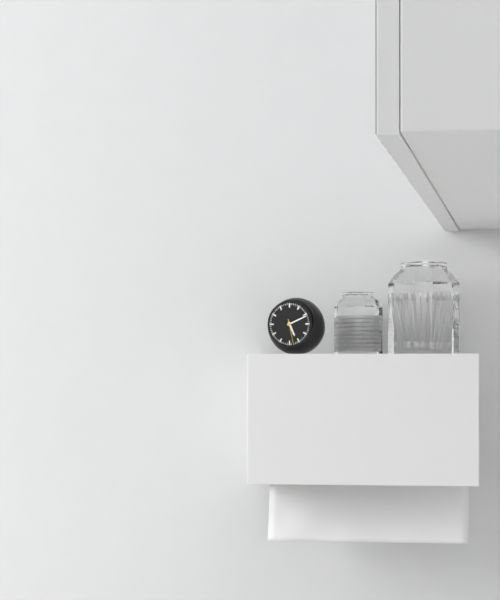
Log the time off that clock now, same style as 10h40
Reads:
5h11
